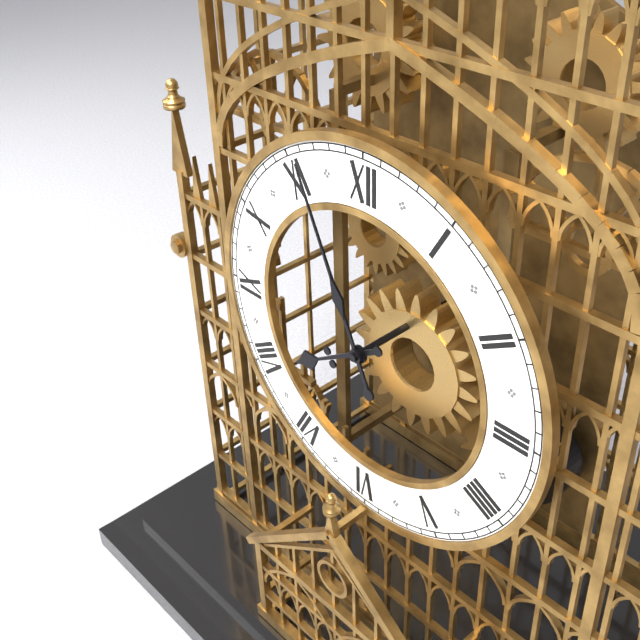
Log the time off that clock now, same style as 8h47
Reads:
7h56
